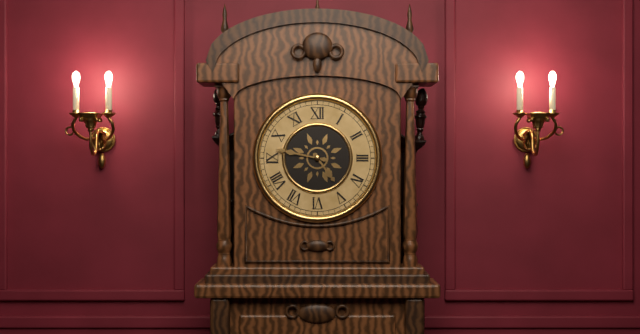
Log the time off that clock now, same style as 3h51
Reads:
4h47
